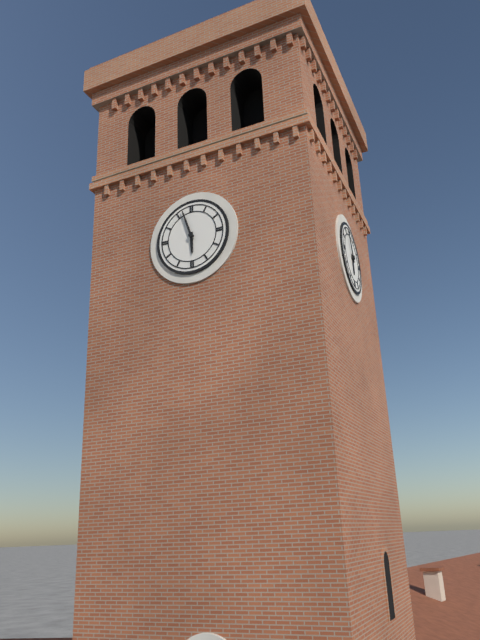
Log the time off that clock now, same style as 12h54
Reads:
5h57
